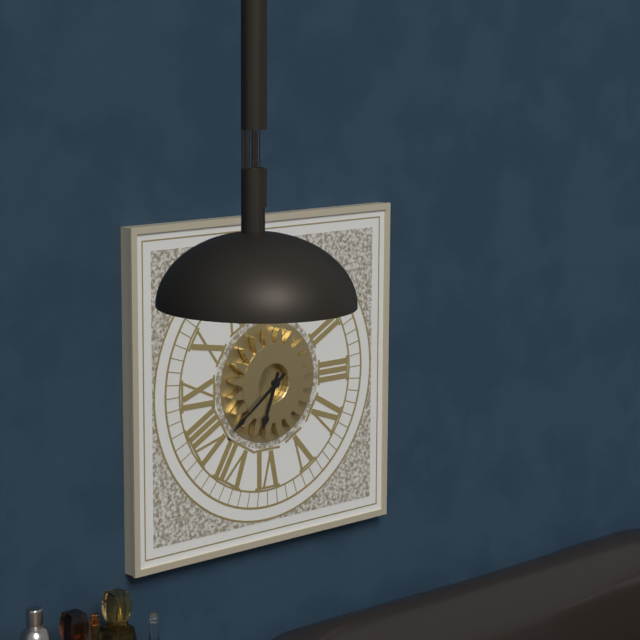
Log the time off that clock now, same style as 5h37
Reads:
6h39
